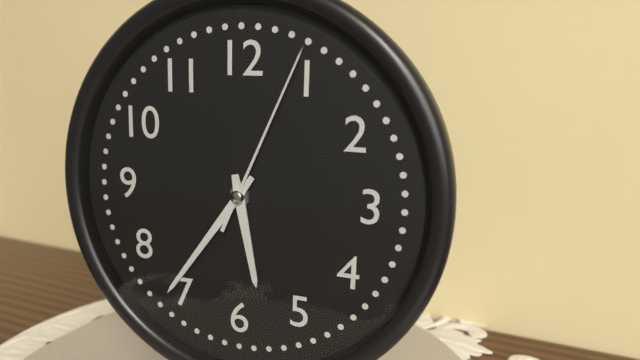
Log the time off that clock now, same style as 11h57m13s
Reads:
5h36m04s
